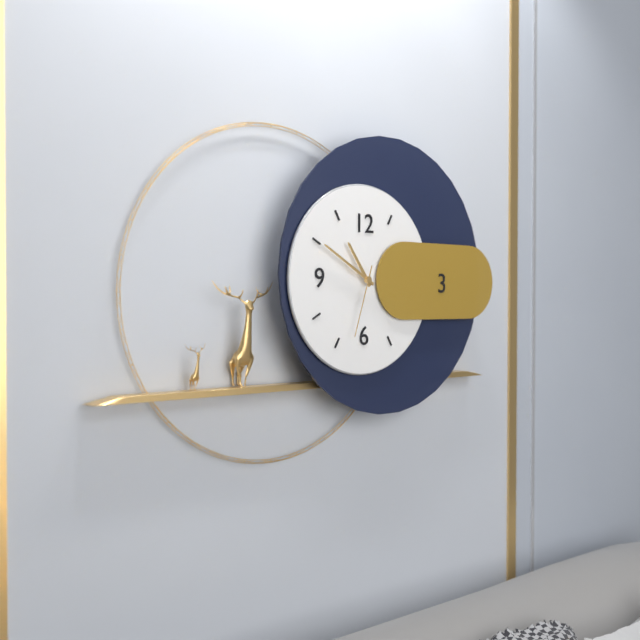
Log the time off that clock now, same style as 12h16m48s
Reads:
10h50m33s
